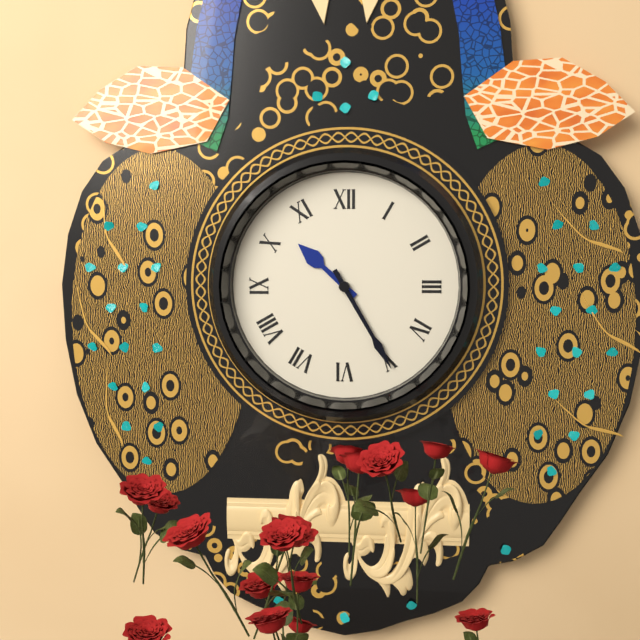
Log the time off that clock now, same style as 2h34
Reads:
10h25
